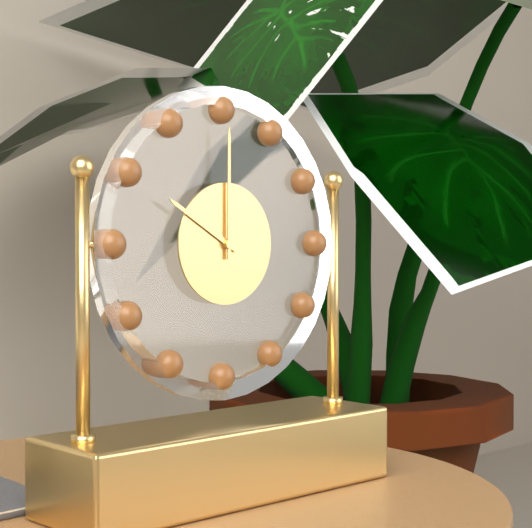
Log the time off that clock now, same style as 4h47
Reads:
10h00
